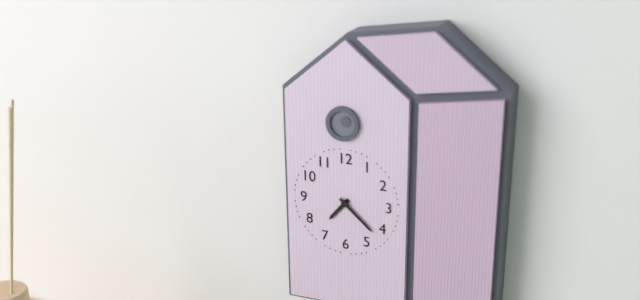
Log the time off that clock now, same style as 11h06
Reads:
7h22
